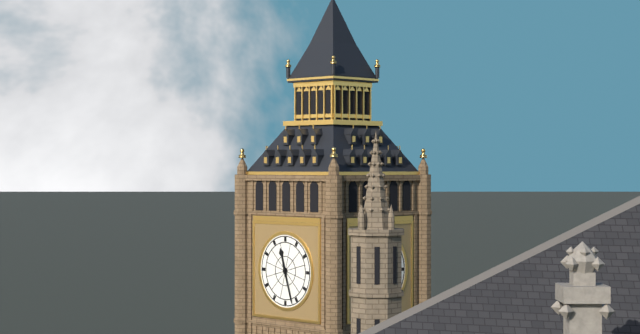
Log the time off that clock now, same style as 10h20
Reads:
11h27
